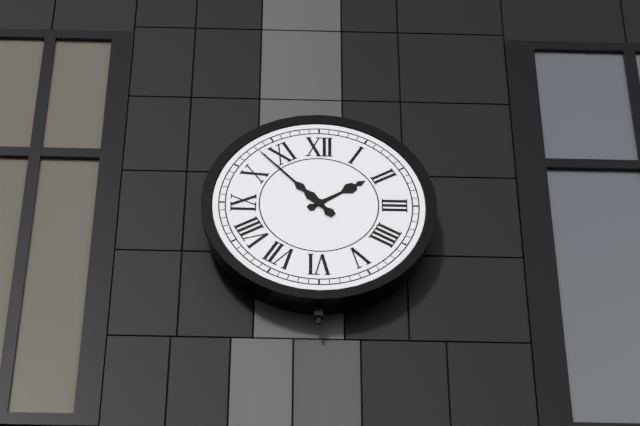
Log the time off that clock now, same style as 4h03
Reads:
1h53
